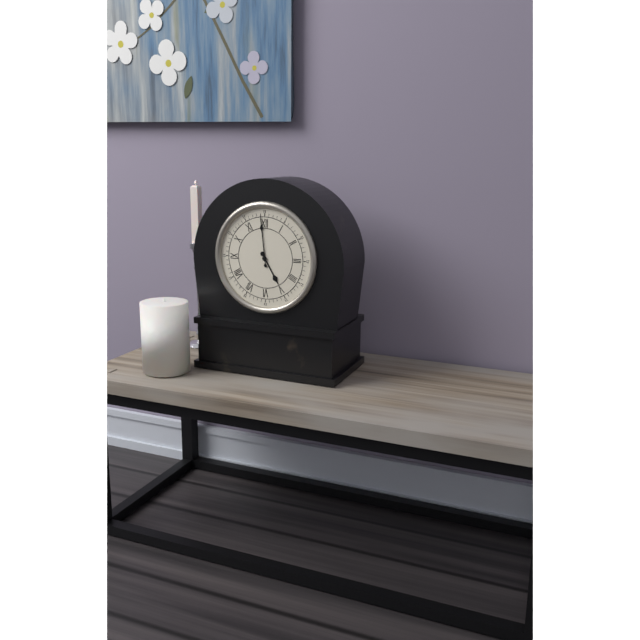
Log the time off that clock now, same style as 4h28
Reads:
4h59
